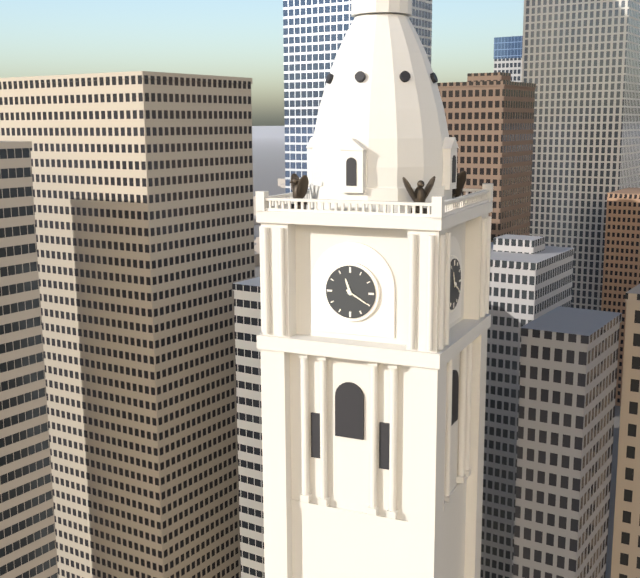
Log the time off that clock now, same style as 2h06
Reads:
11h20
